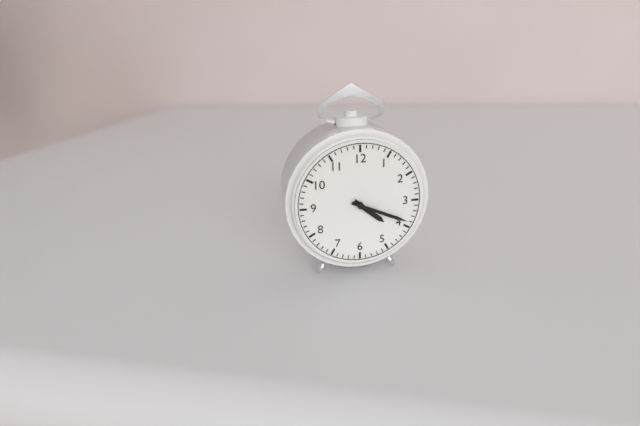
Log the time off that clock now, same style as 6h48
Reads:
4h19
